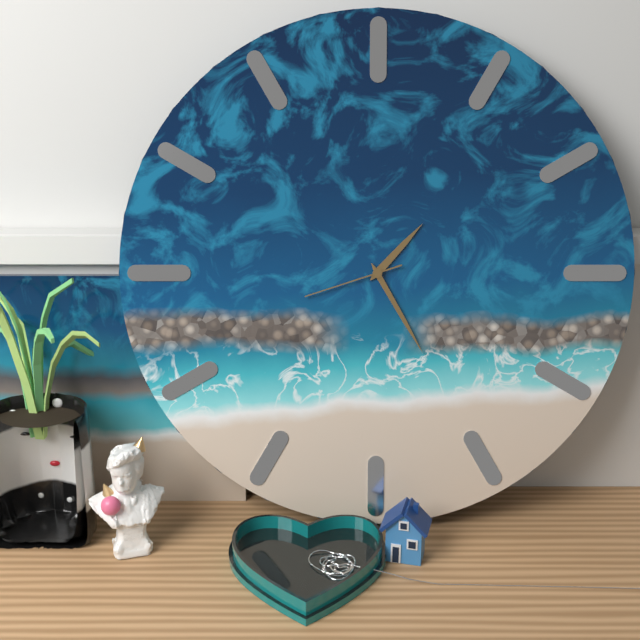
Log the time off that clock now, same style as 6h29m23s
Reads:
1h25m42s
